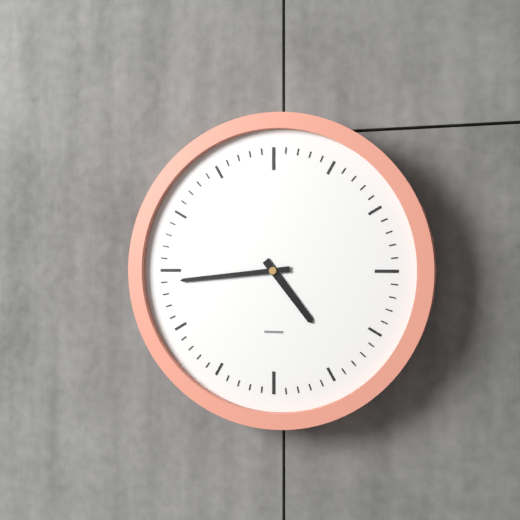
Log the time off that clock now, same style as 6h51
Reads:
4h44
